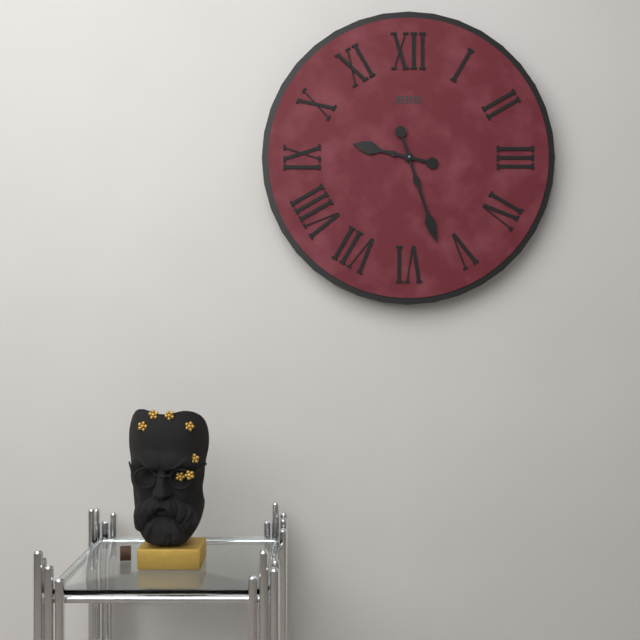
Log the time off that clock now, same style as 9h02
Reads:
9h27
